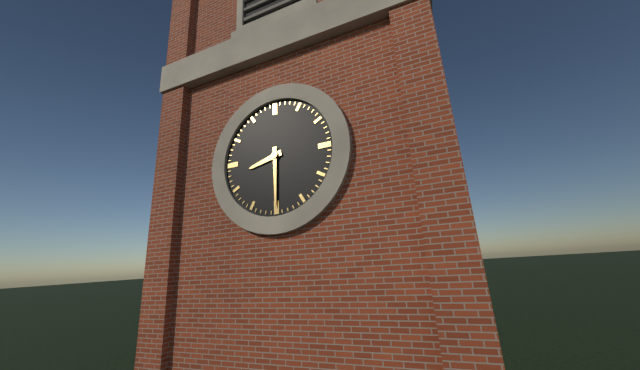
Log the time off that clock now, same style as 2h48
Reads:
8h30
